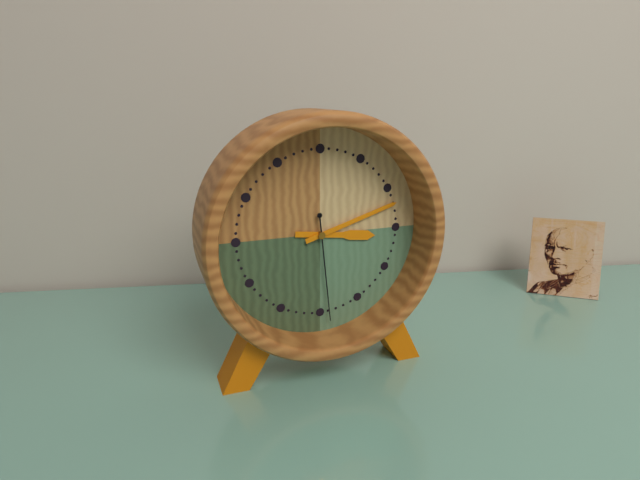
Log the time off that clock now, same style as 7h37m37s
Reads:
3h12m29s
